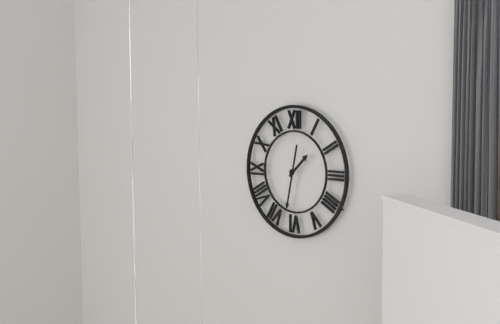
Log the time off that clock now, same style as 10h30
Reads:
1h32
